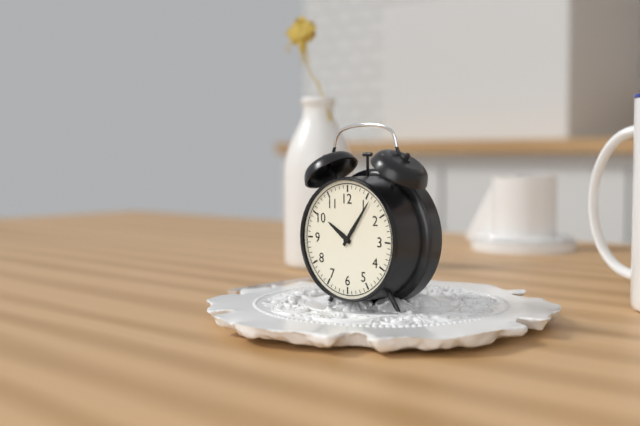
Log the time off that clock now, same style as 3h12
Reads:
10h06
